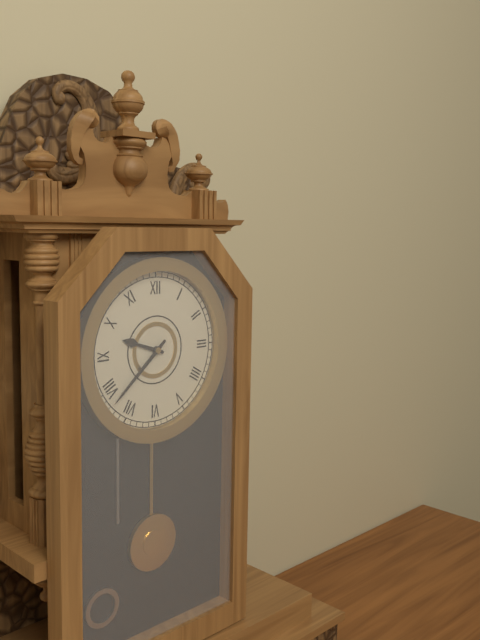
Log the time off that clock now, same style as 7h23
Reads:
9h38
